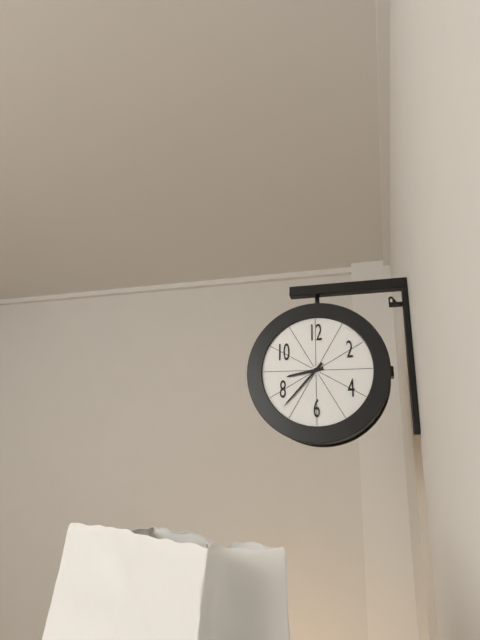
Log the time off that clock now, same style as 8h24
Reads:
8h37
